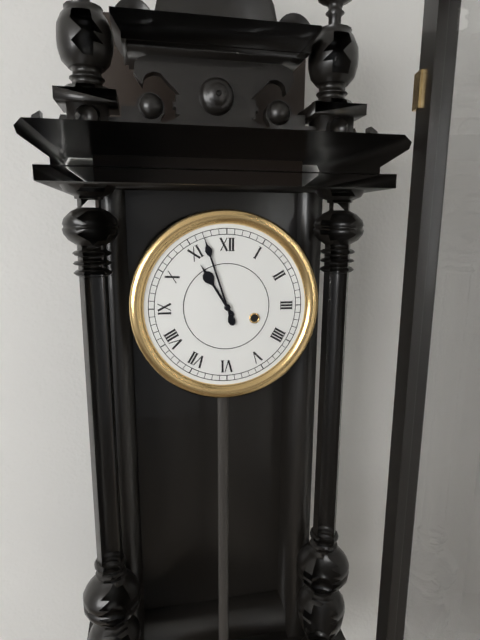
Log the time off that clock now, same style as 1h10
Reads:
10h57
